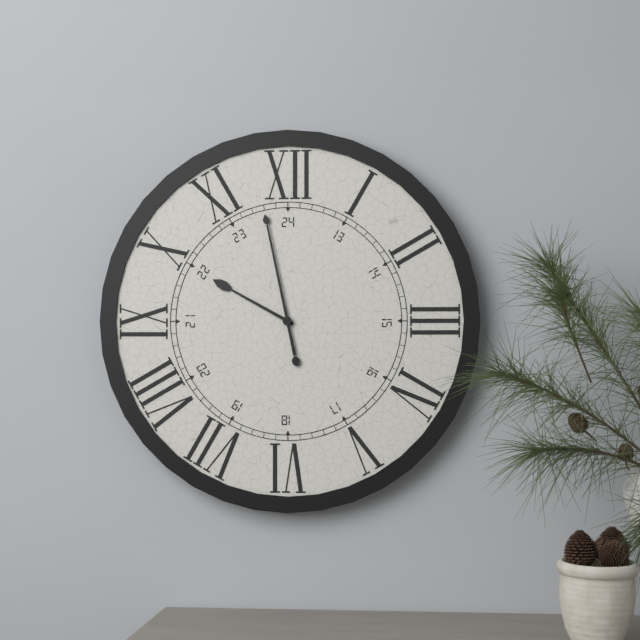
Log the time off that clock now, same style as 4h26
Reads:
9h58
